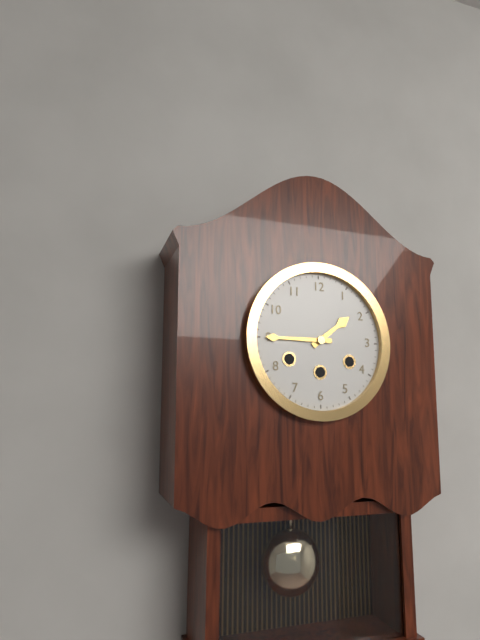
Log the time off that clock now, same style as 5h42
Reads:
1h45
